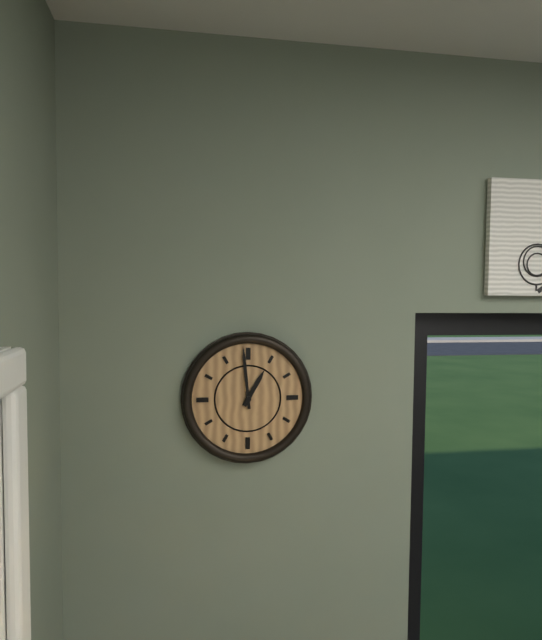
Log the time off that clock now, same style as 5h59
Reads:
12h59
